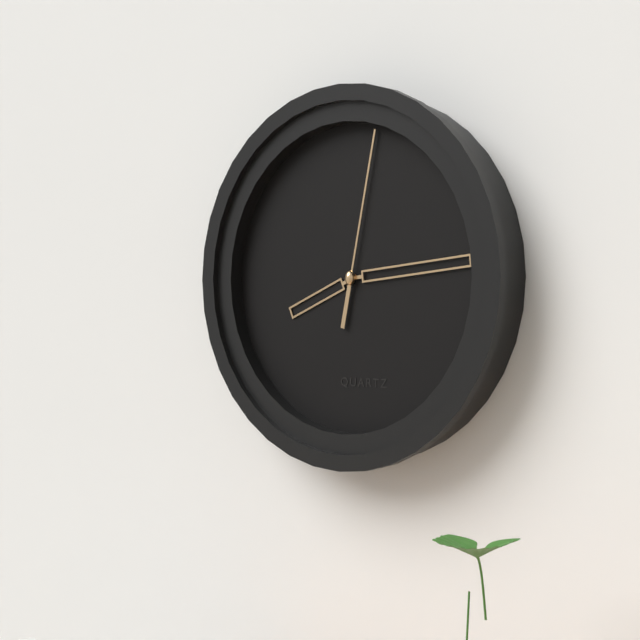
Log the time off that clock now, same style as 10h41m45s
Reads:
8h14m02s
